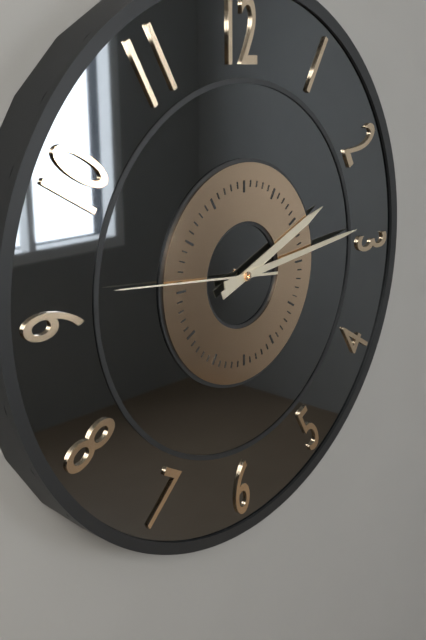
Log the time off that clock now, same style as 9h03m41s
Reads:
2h14m46s
